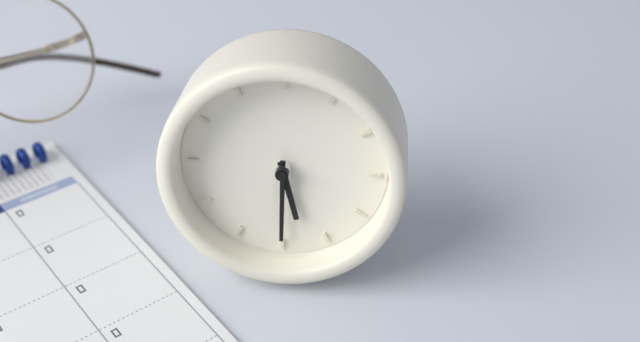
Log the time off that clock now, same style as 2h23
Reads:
5h30
